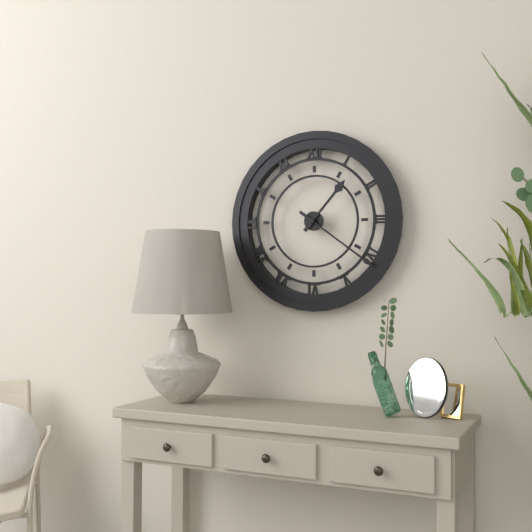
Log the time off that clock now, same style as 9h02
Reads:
1h21
